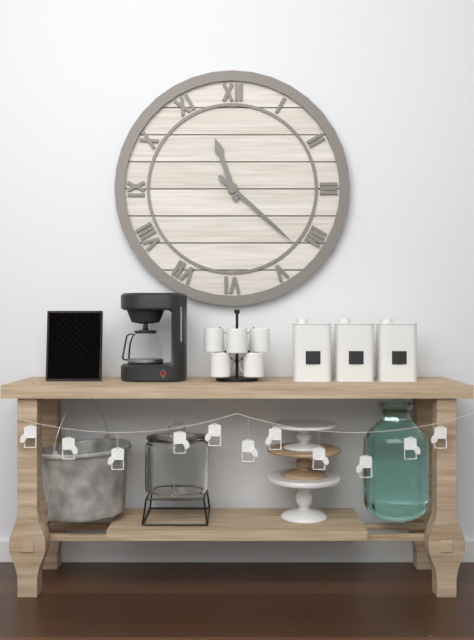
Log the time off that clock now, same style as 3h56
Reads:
11h22
